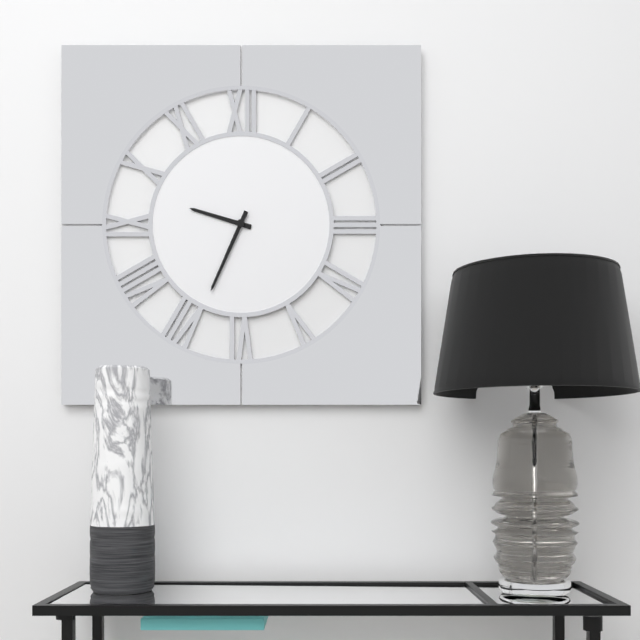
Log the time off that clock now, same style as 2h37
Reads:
9h34
